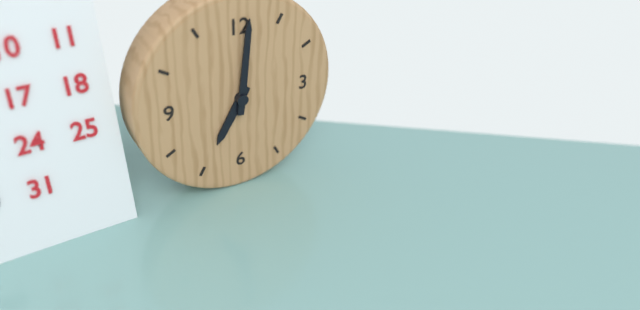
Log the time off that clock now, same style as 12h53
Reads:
7h01
